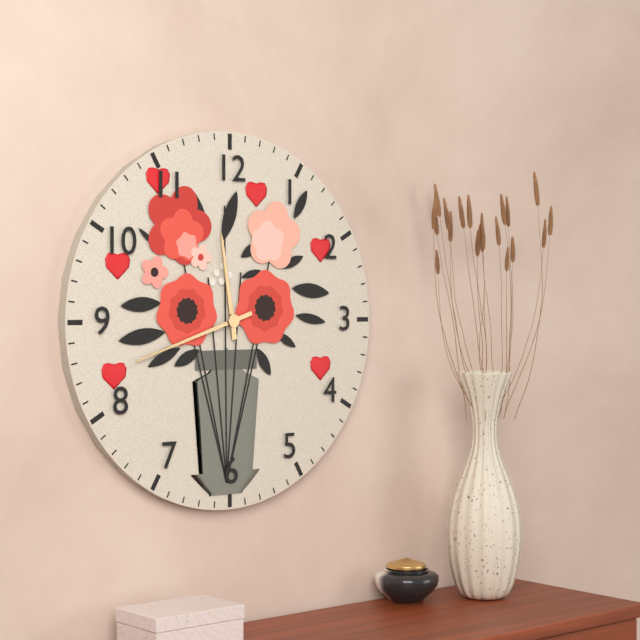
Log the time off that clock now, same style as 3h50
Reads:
11h42
